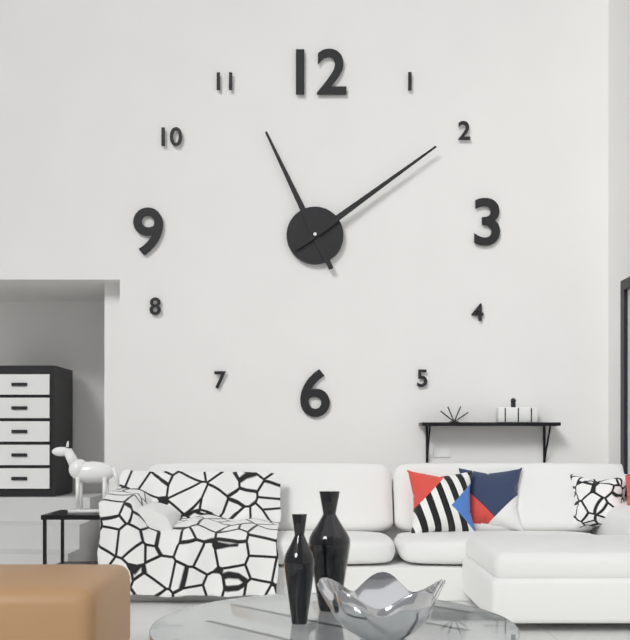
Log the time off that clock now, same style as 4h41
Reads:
11h09
